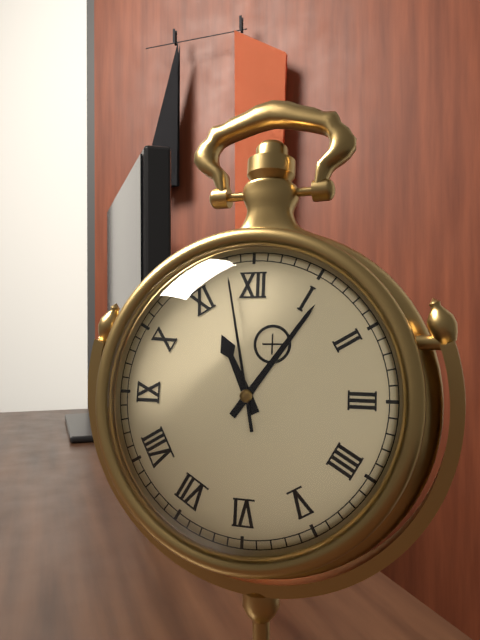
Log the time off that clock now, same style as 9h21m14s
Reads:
11h06m58s
